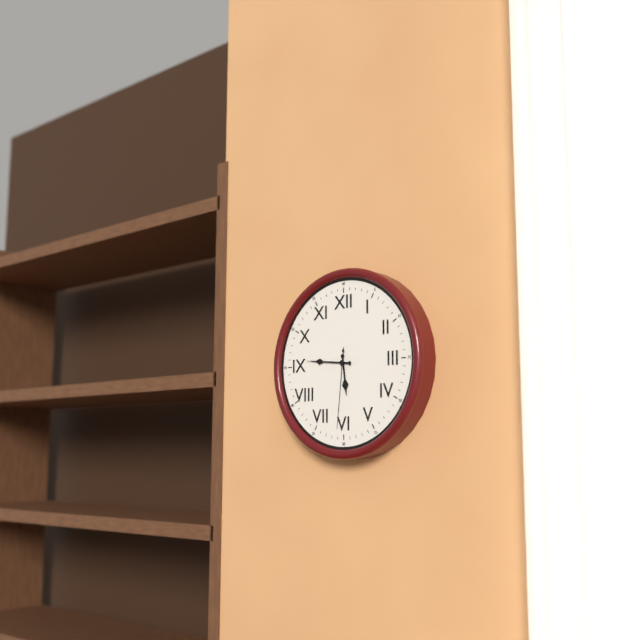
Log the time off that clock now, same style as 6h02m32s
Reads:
5h46m31s
